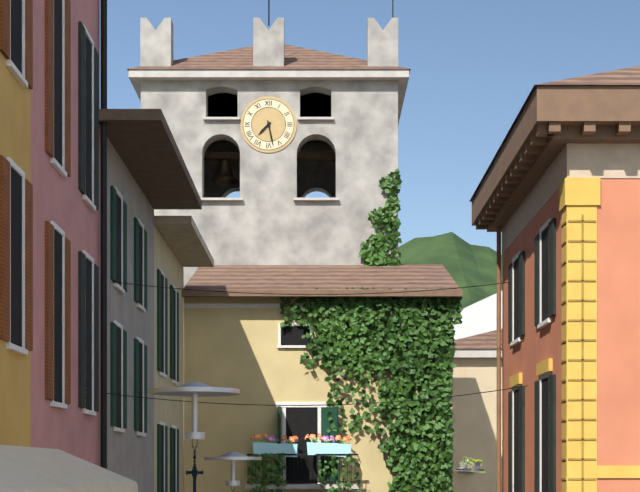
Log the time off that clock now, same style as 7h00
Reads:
7h28
